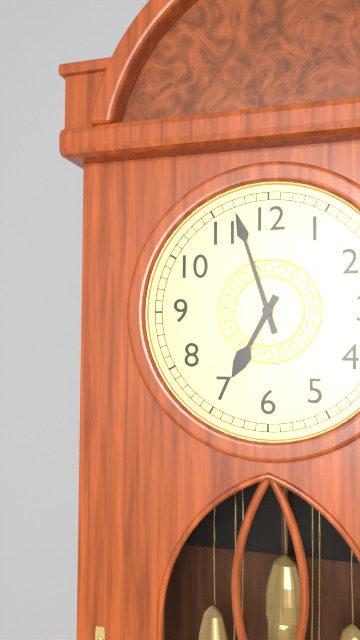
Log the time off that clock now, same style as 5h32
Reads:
6h57
